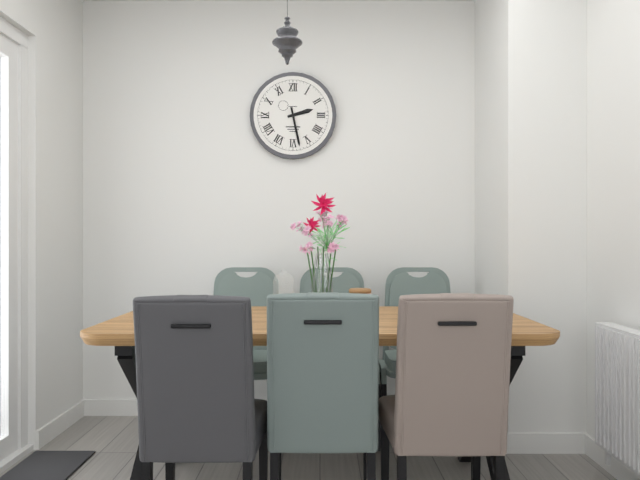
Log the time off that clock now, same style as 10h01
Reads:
2h28
